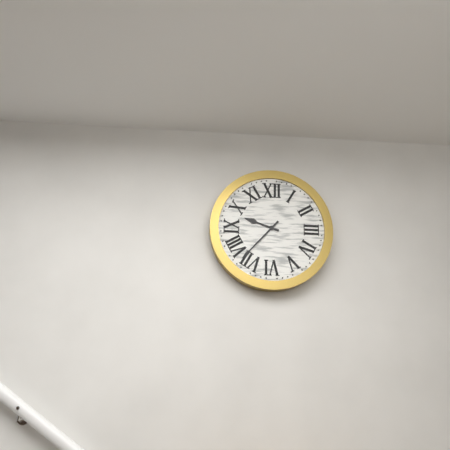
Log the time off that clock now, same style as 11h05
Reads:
9h37
